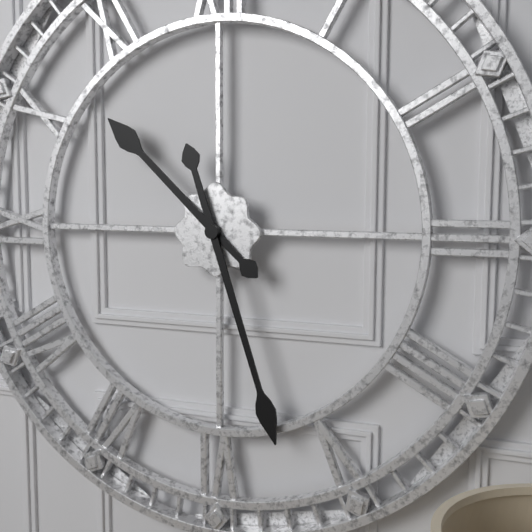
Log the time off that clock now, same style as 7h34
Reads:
10h27
